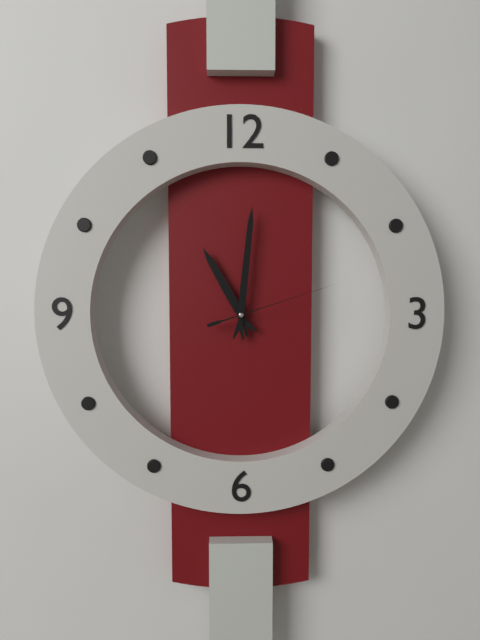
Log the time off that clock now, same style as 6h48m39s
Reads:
11h01m12s
